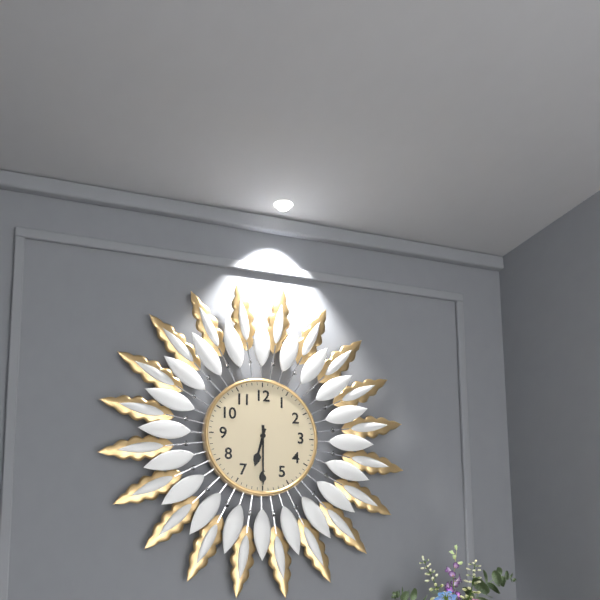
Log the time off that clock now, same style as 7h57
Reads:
6h30
